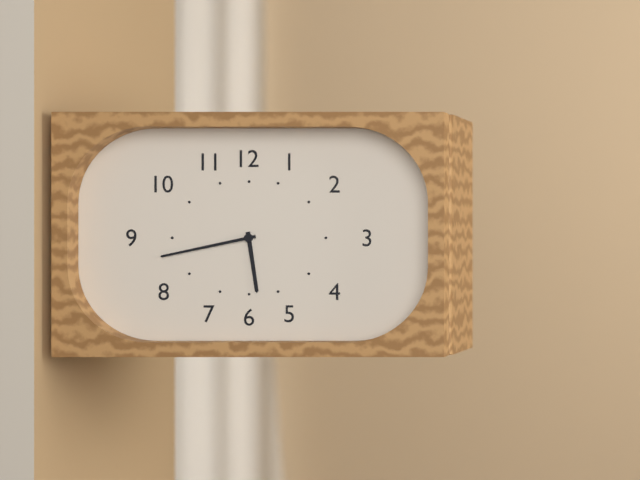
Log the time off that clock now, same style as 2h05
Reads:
5h43
